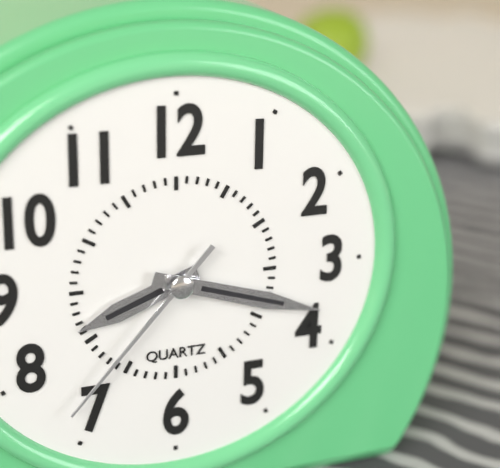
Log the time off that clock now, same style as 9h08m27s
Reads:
8h18m37s
